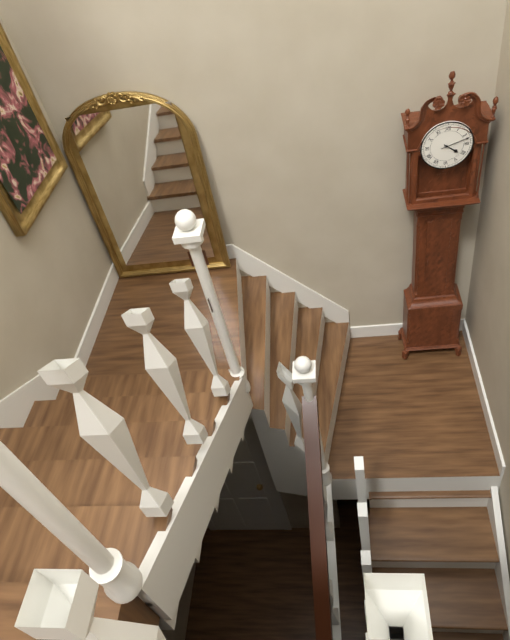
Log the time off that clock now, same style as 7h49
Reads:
4h12
